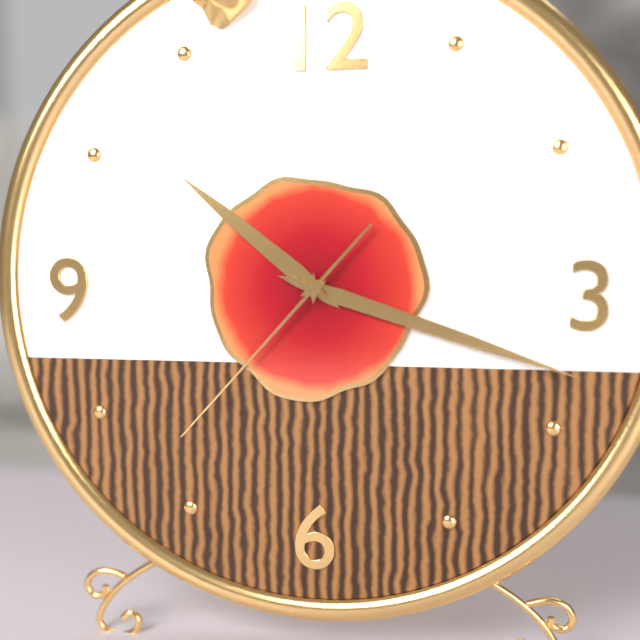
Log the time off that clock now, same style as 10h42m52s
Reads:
10h18m37s
